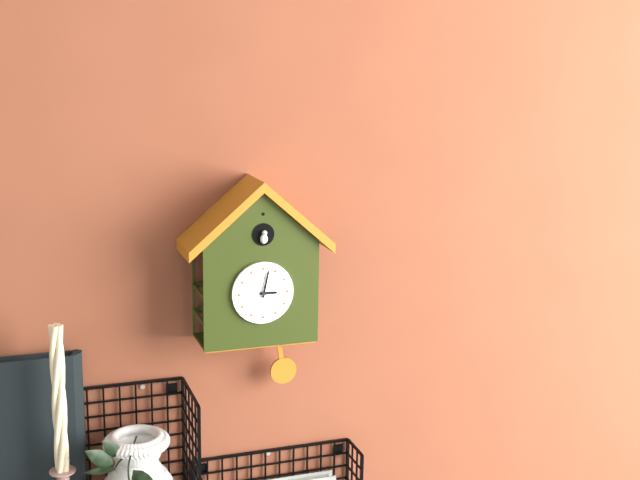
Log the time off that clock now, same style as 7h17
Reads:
3h02
